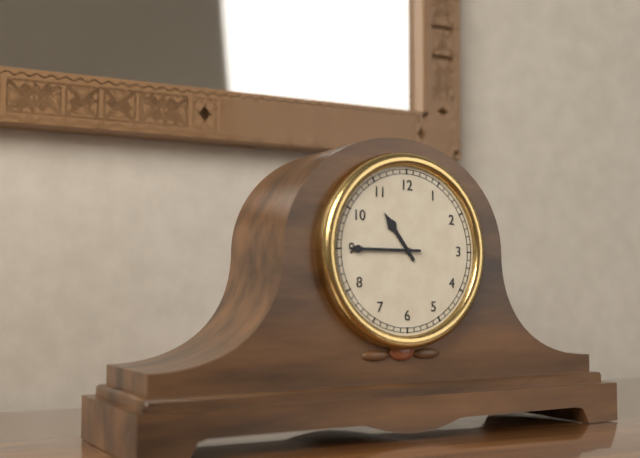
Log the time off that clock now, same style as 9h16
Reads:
10h45
